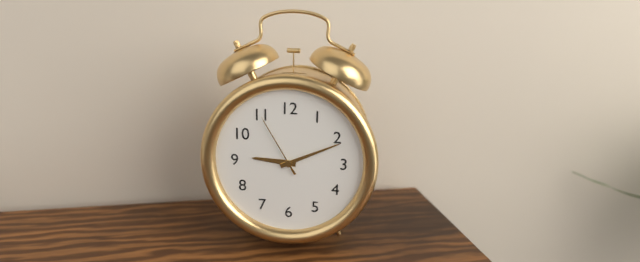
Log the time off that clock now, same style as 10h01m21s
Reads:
9h11m55s
